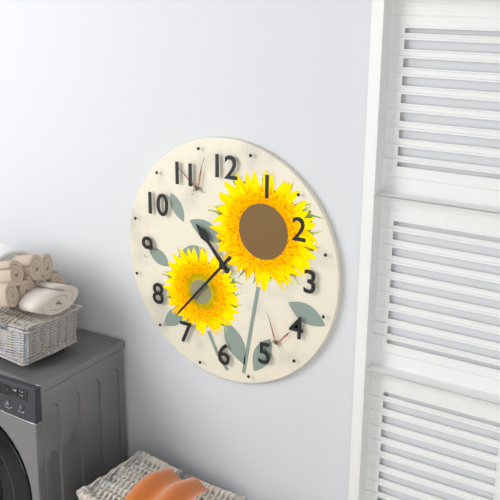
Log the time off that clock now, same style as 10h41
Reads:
10h37
